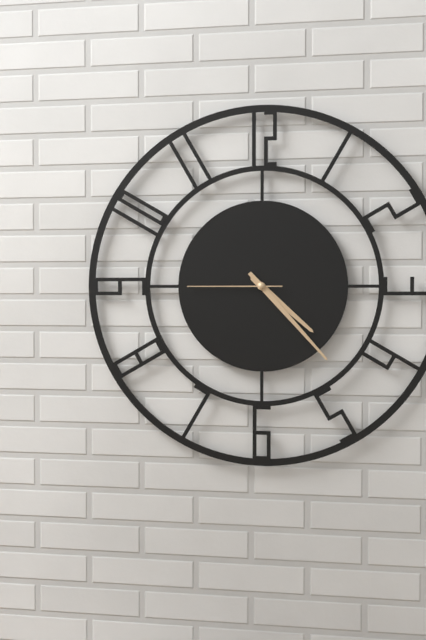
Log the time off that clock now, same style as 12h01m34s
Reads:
4h23m45s
